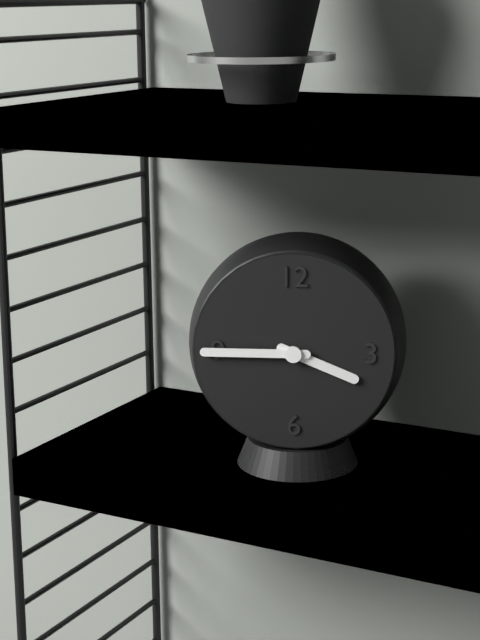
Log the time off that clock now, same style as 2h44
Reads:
3h45
